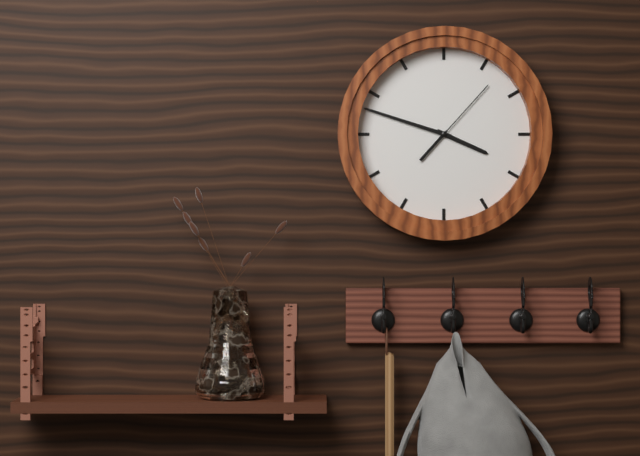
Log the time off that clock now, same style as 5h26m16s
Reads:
3h48m07s
